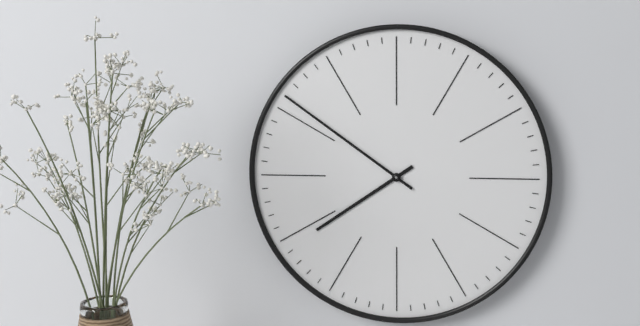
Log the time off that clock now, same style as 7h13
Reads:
7h51
